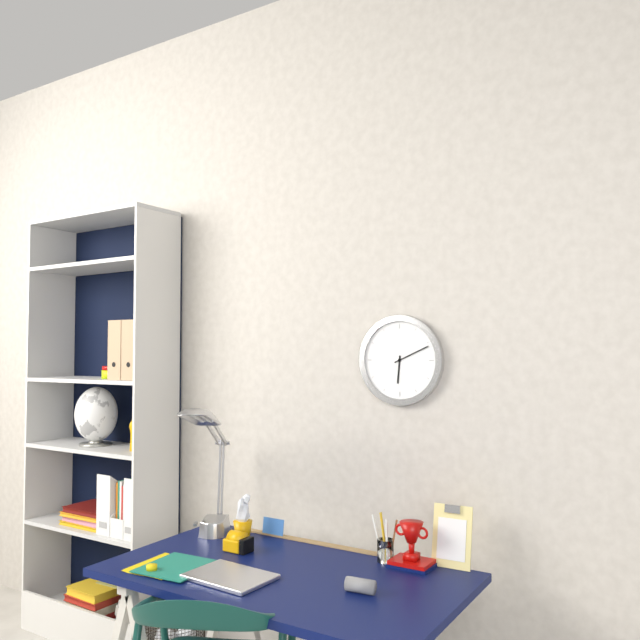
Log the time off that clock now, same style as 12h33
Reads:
6h11
